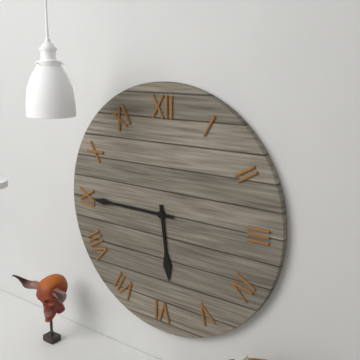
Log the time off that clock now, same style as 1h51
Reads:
5h45
